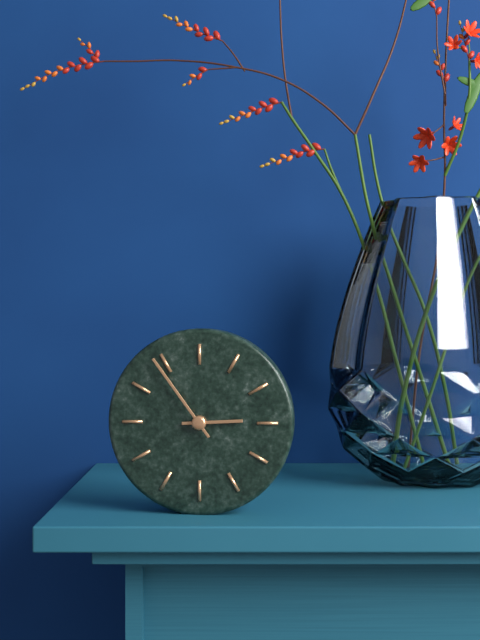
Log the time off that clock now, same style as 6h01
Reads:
2h54
